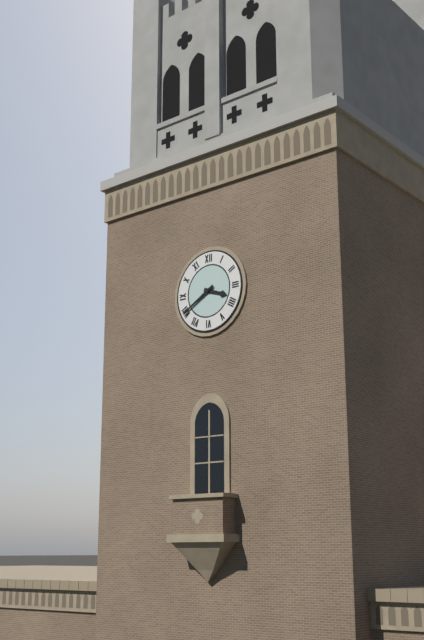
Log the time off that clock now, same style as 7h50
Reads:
3h40
